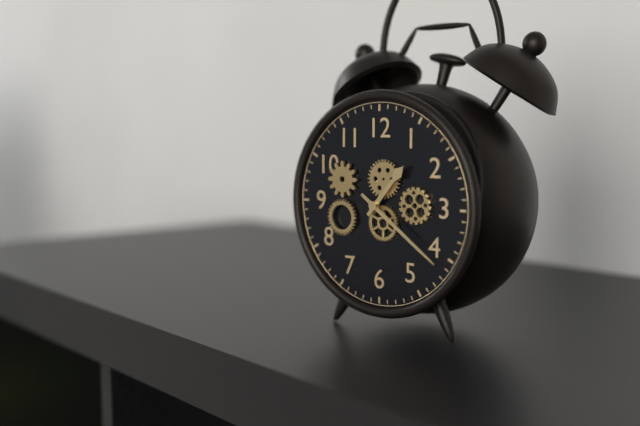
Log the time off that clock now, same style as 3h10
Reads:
1h21
